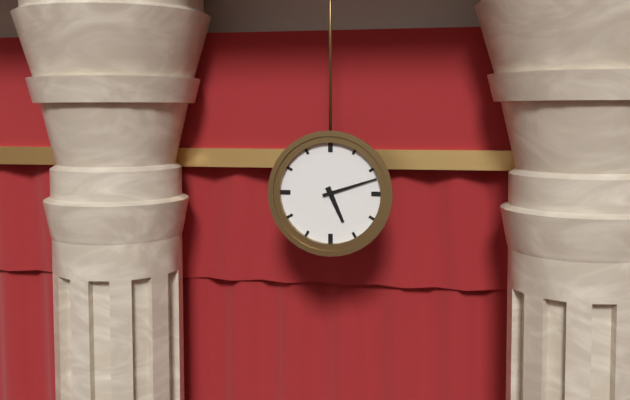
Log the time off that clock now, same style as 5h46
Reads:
5h12
